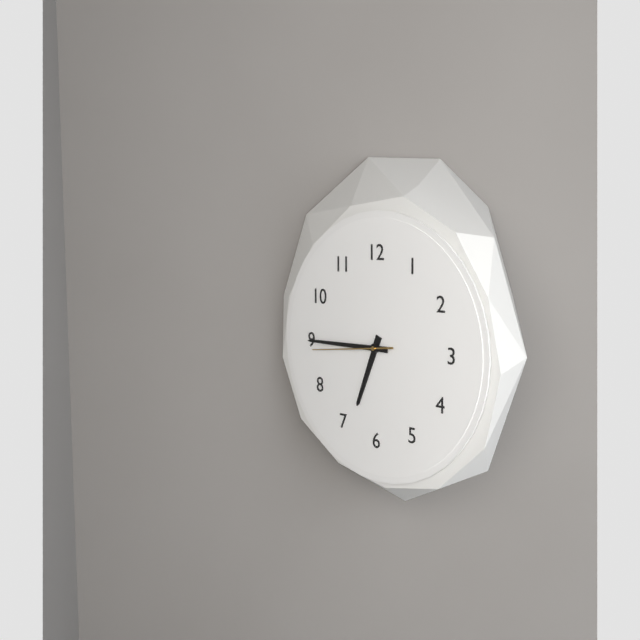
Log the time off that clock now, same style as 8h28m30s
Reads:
6h45m44s
